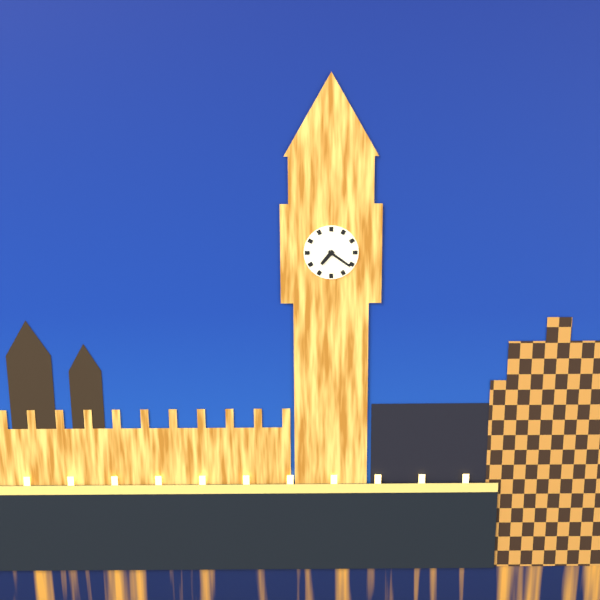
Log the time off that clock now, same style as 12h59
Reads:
7h21
